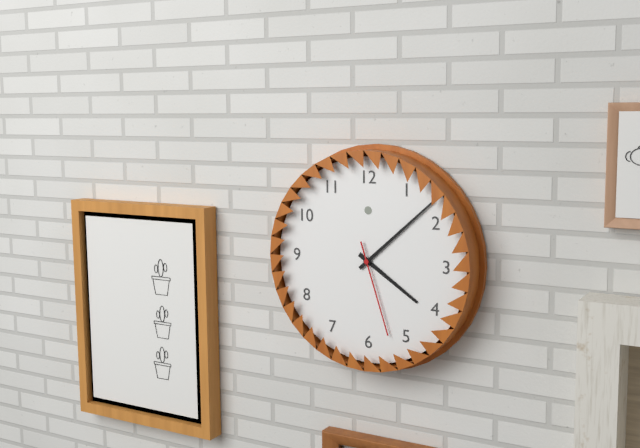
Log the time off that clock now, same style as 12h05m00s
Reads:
4h08m27s
